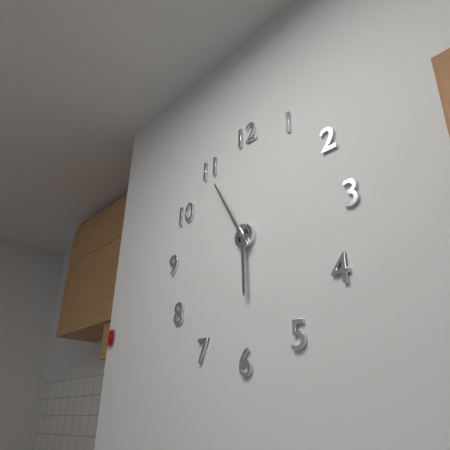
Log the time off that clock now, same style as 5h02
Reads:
5h55
